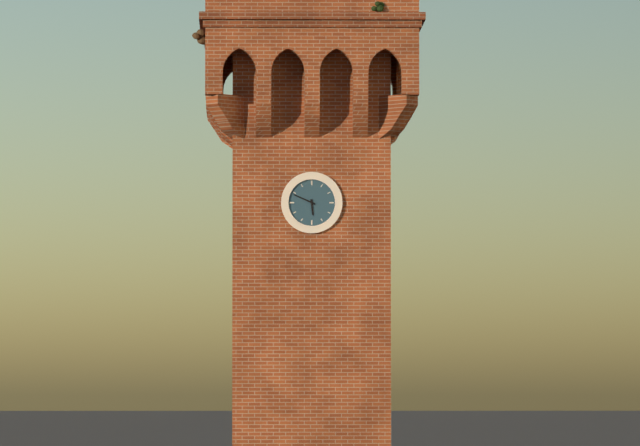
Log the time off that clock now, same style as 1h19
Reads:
5h49
